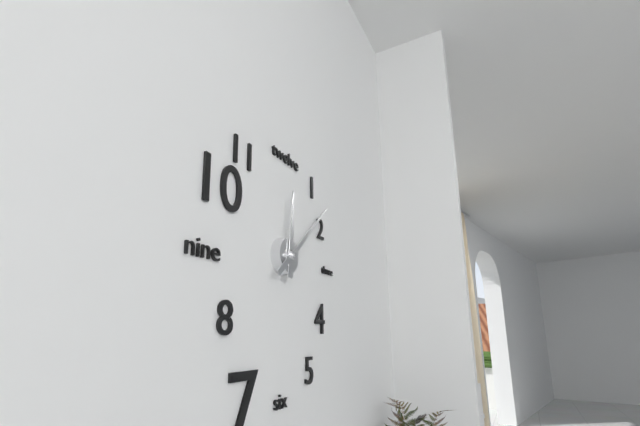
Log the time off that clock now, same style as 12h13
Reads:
12h08
